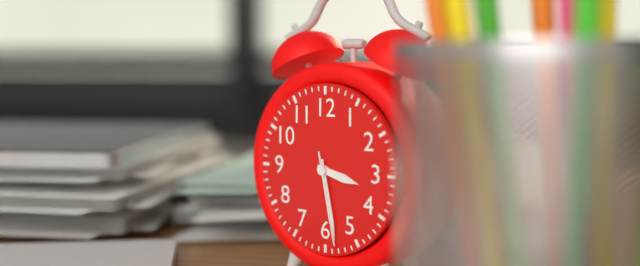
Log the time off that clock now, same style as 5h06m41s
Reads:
3h28m28s
